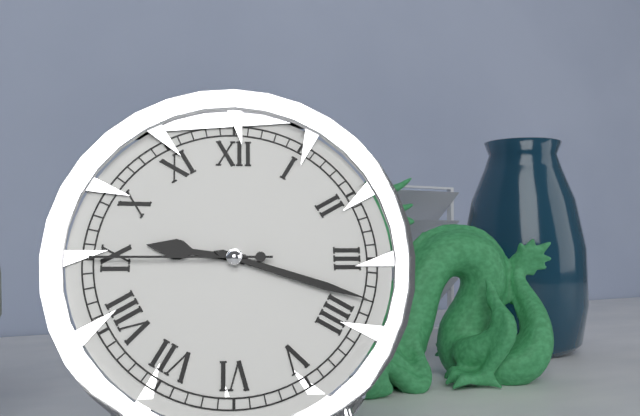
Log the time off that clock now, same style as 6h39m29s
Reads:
9h18m45s
